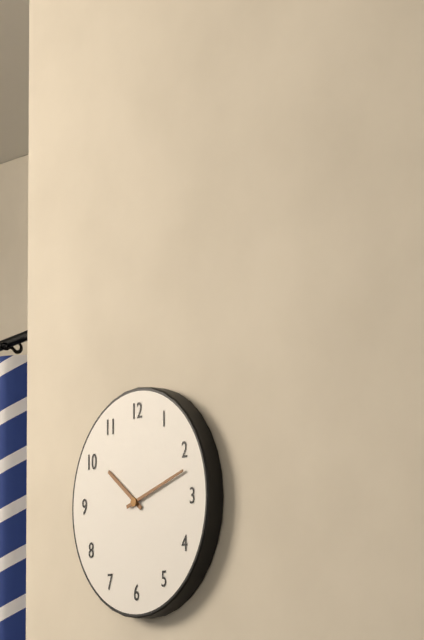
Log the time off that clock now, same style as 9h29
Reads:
10h12
